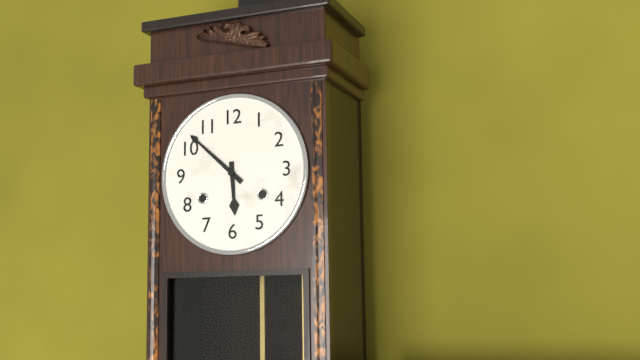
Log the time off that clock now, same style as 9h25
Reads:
5h52
